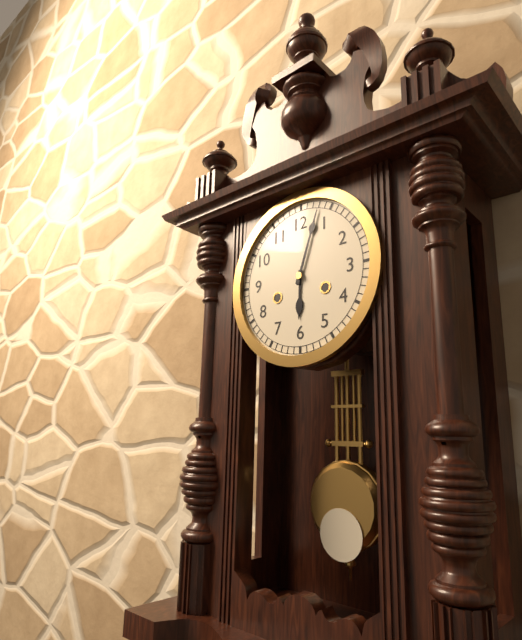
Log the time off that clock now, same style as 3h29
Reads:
6h03
